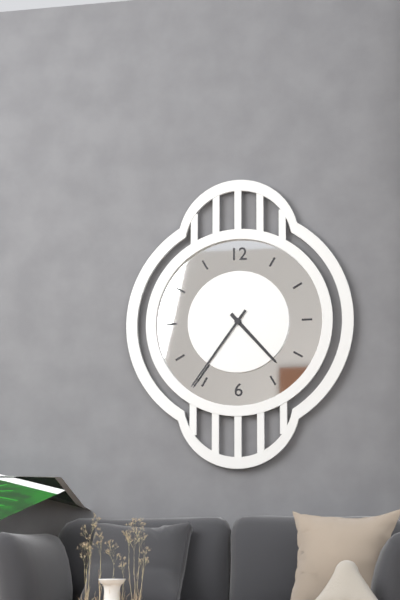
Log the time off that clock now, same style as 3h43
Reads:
4h36
